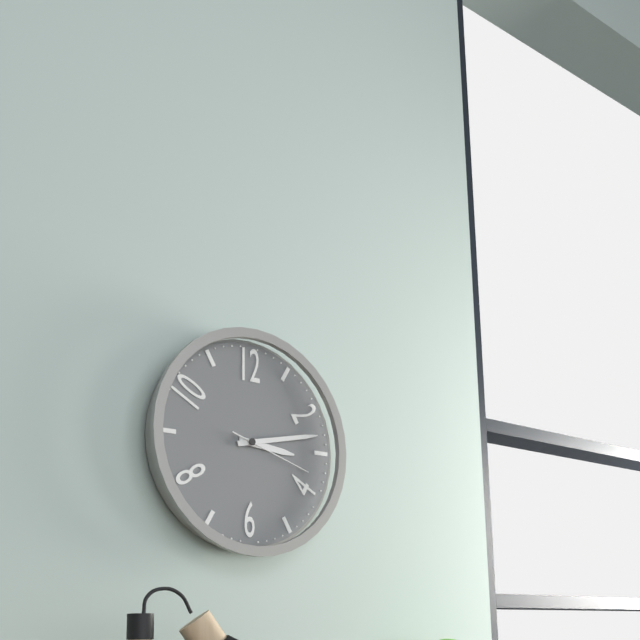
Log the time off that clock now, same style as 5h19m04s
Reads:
3h13m18s
